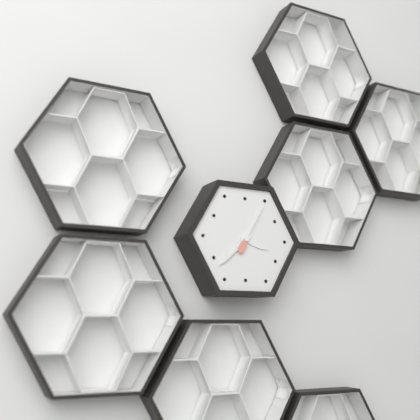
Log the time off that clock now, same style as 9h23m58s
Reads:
3h38m05s
